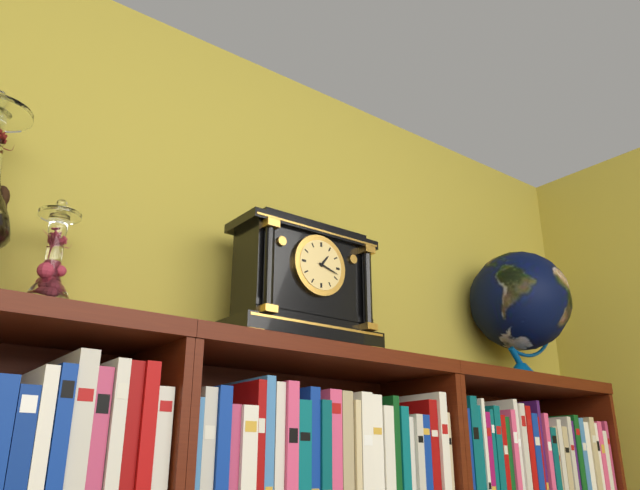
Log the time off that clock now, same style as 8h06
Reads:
1h18
